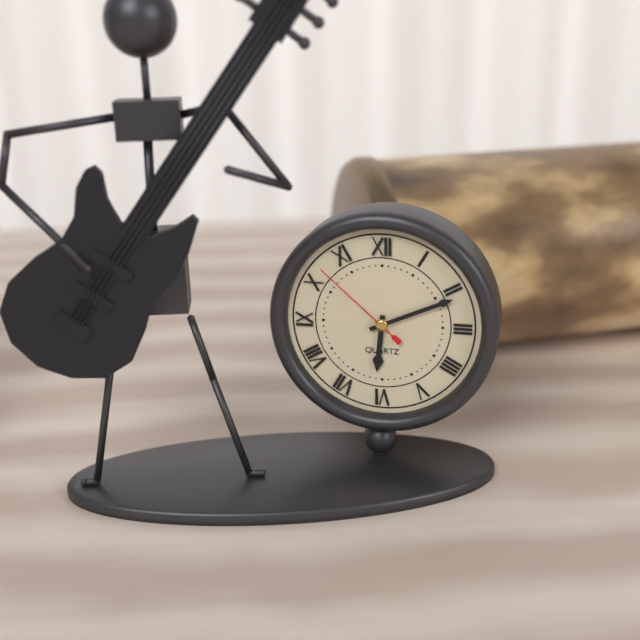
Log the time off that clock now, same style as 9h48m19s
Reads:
6h11m52s
